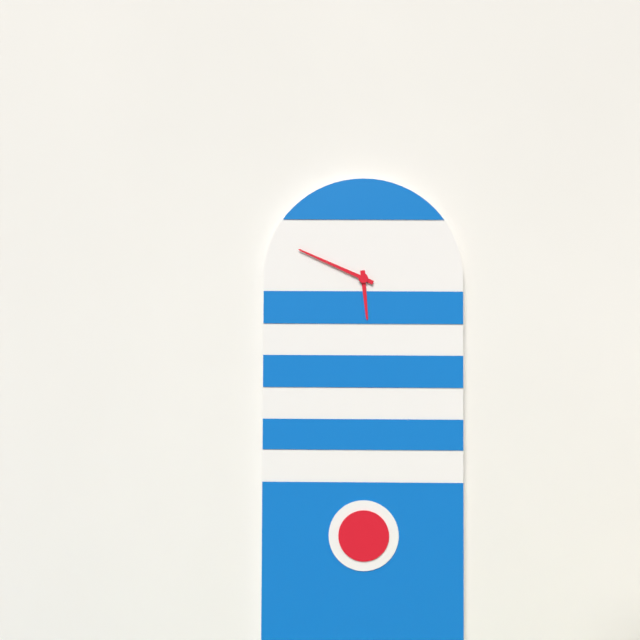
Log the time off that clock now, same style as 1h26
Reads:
5h49
